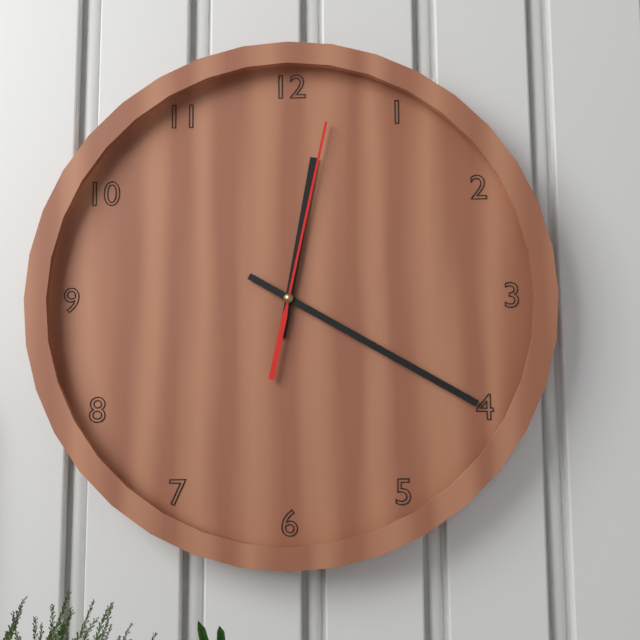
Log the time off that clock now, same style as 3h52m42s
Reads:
12h20m02s
